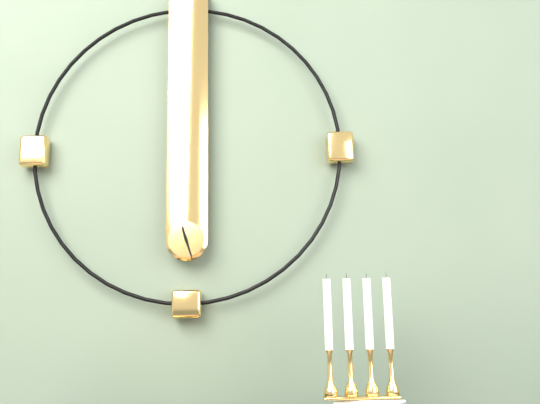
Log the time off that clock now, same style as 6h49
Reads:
11h27
